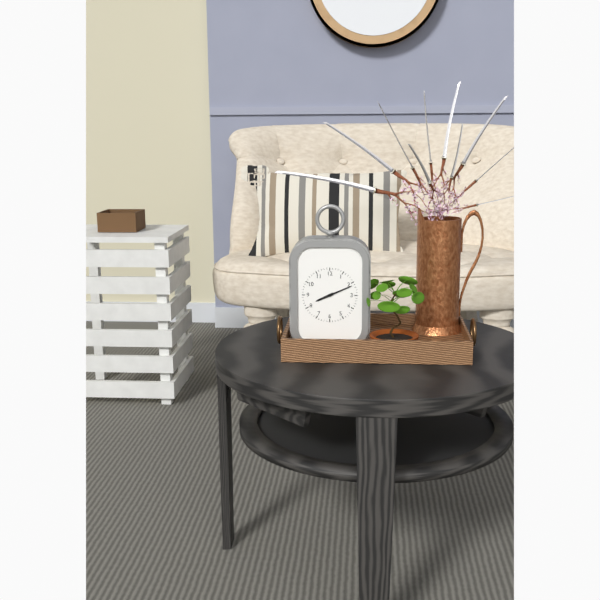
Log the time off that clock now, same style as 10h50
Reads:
8h11
